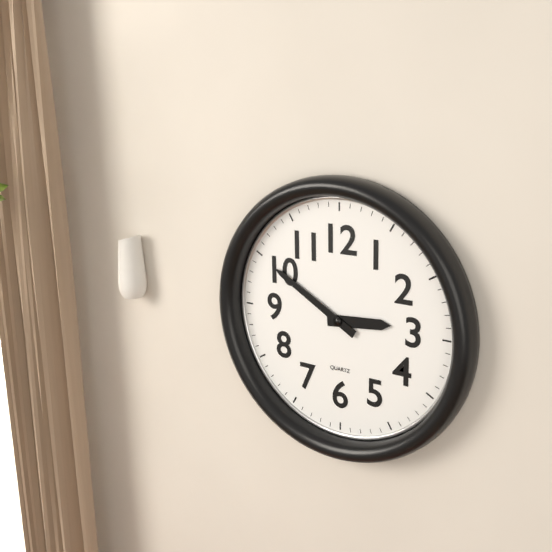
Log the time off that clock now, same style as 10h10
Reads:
2h50
